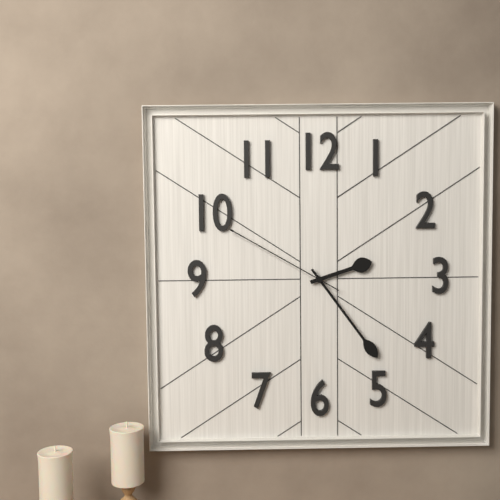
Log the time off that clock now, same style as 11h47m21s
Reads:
2h24m50s
